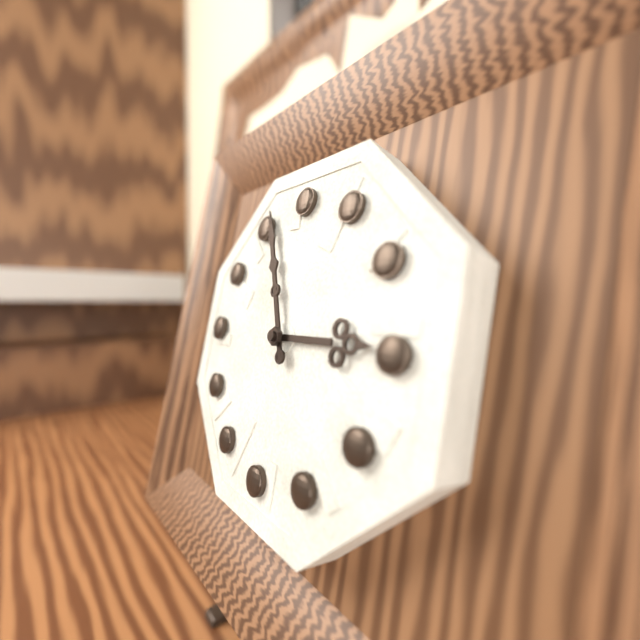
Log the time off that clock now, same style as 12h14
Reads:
2h56
